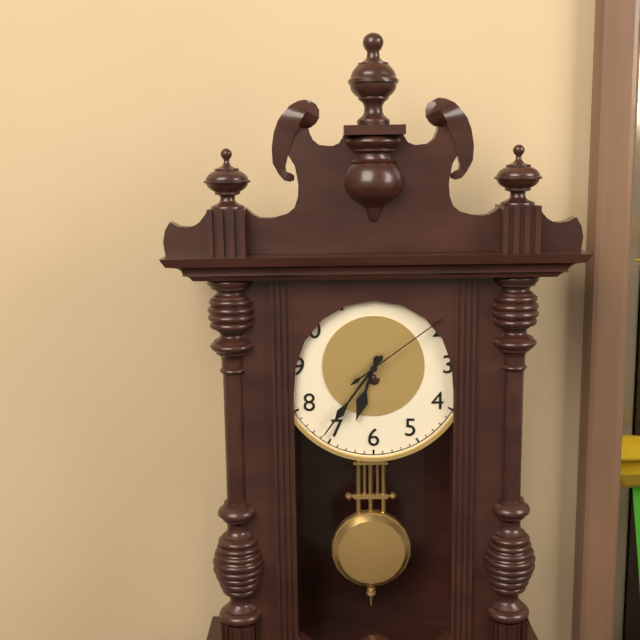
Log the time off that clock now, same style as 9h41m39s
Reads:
6h36m09s
